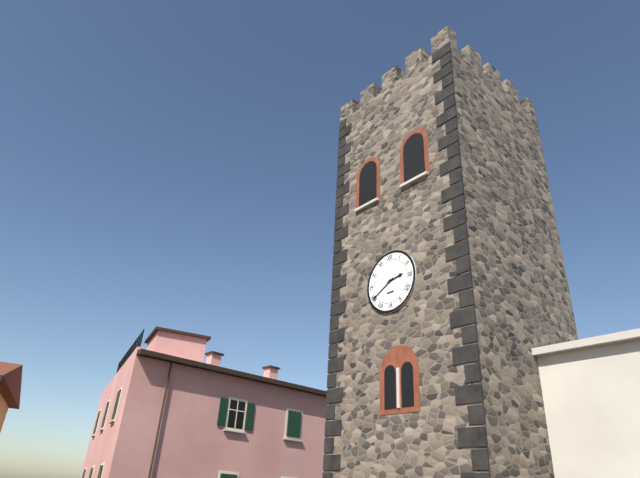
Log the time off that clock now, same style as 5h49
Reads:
2h40
